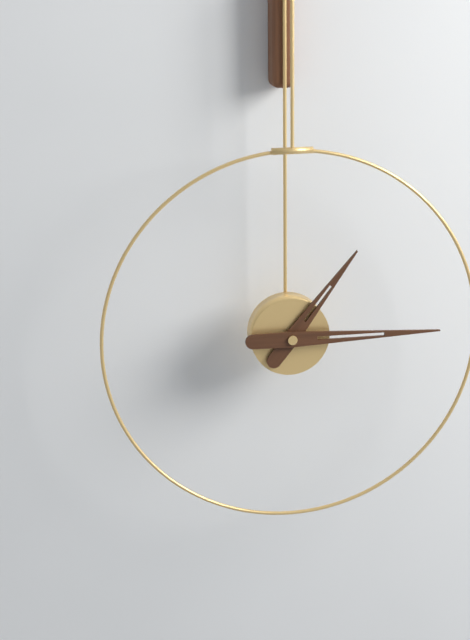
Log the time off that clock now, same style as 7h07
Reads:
1h15
